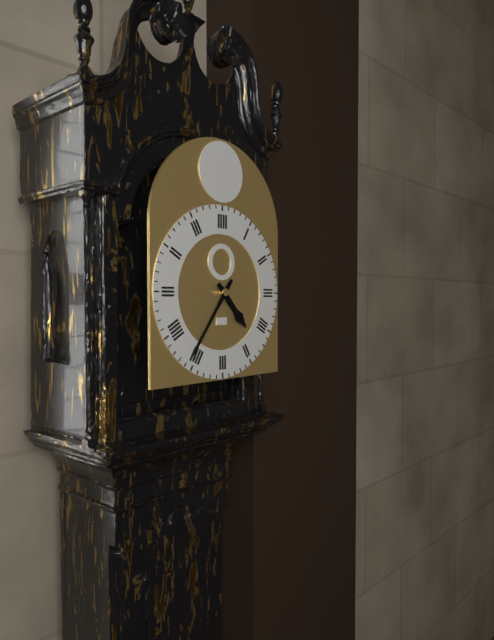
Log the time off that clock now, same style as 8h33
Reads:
4h36
